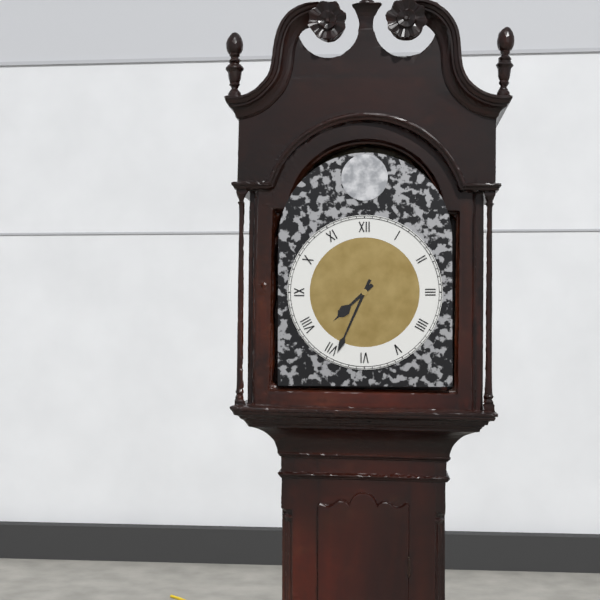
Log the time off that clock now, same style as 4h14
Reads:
7h34
